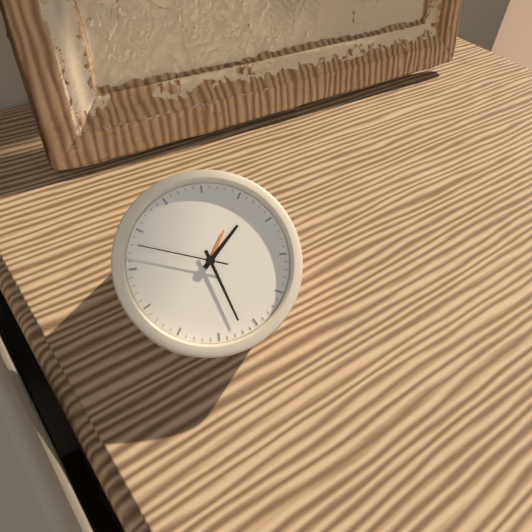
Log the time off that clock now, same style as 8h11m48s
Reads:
1h27m48s
